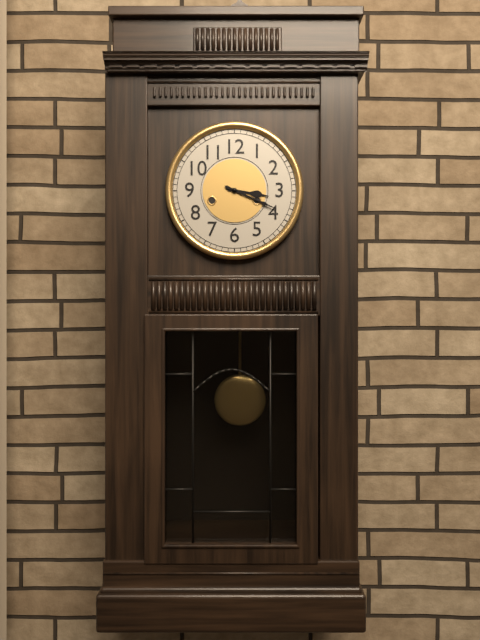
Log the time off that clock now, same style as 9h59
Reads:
3h19
